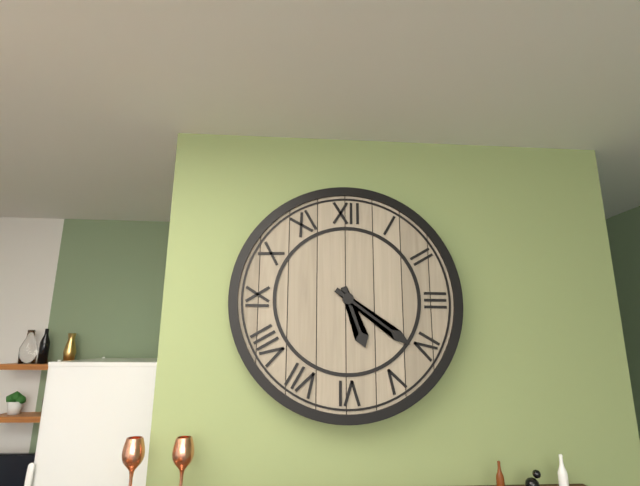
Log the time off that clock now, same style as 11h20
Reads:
5h21
